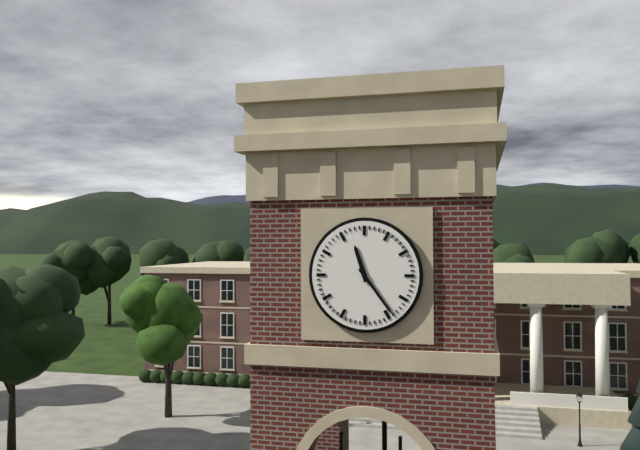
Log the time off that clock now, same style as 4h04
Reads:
11h24
